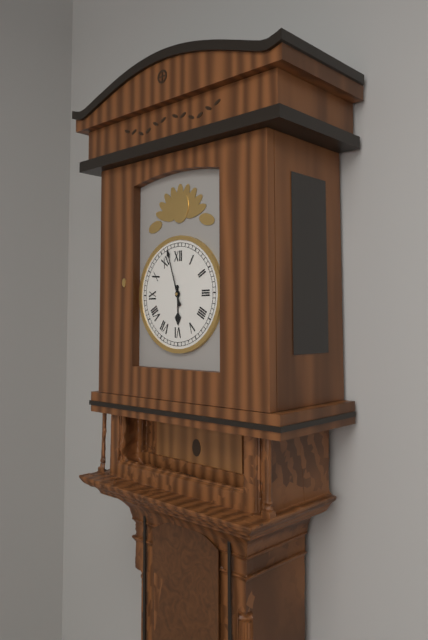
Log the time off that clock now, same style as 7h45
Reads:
5h57
